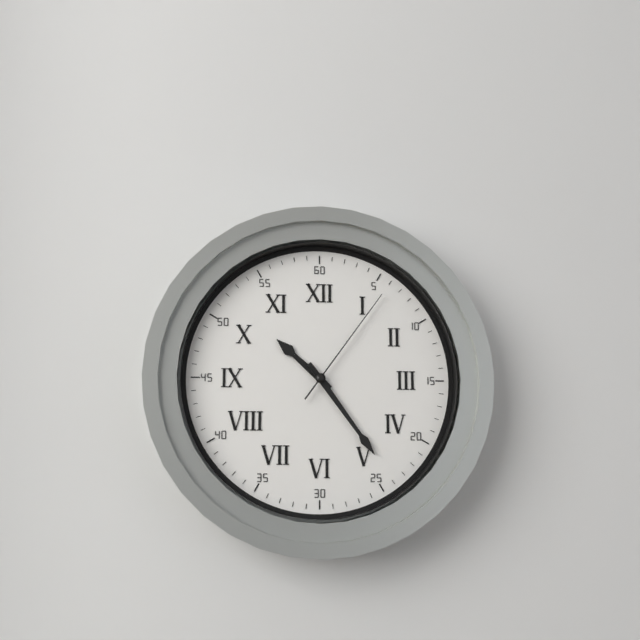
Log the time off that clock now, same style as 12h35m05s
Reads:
10h24m06s
